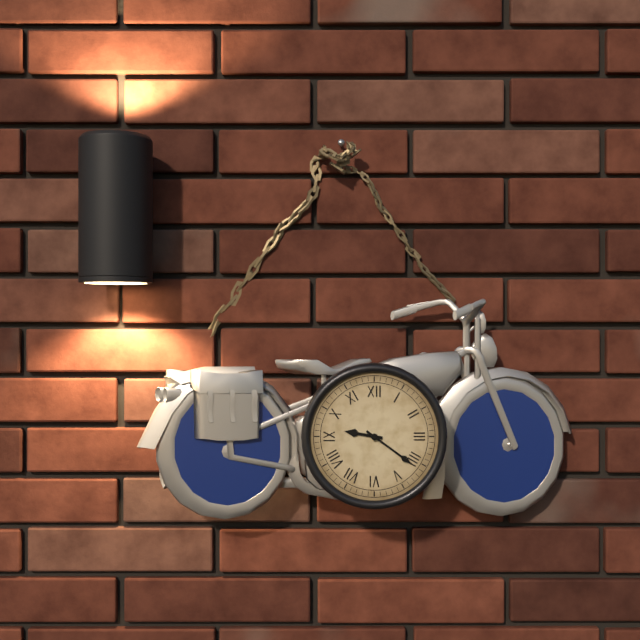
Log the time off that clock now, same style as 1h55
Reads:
9h21
